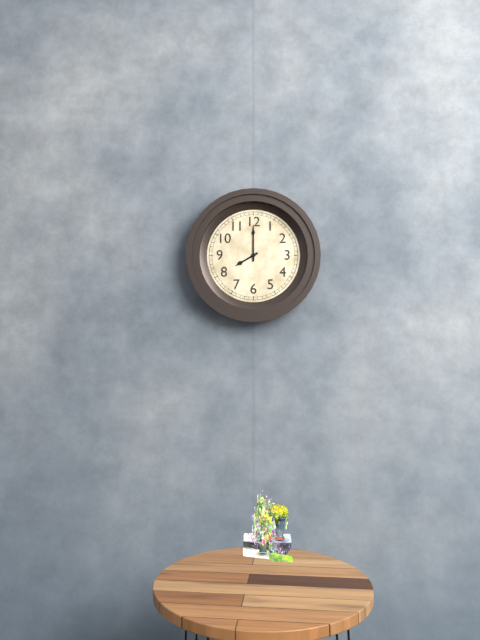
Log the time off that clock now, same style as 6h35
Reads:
8h00
